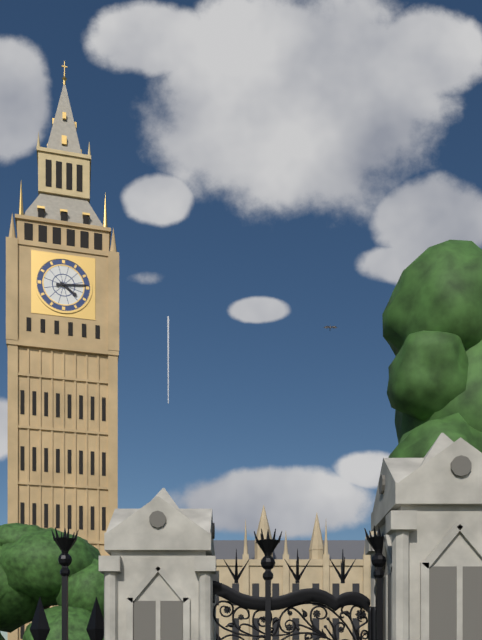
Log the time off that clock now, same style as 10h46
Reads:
4h14
